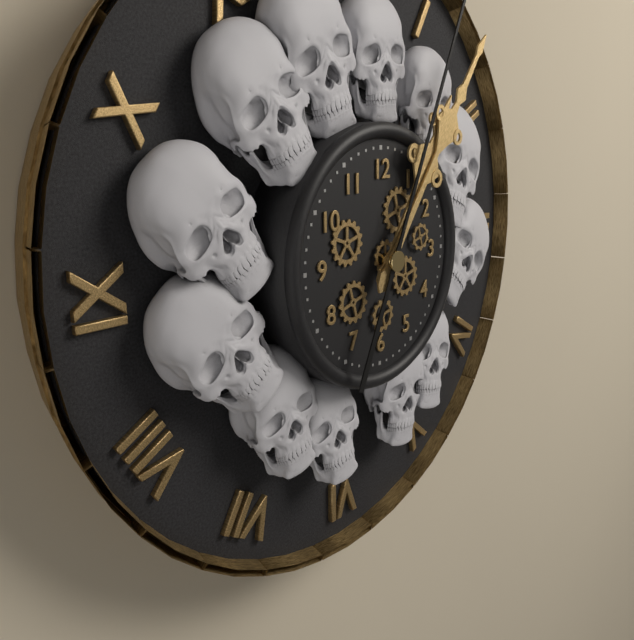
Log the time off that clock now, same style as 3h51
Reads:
1h06
